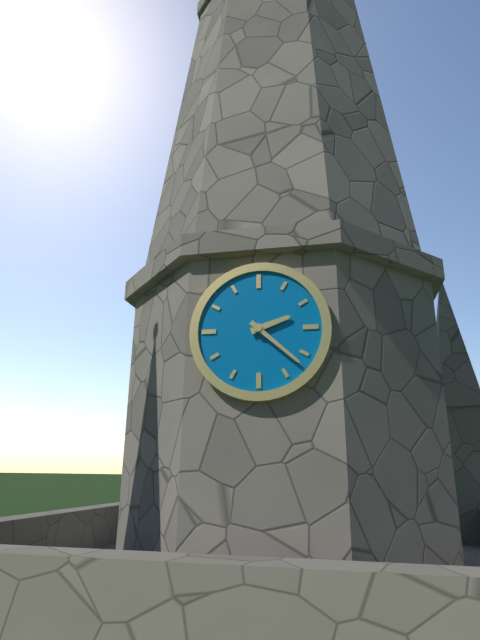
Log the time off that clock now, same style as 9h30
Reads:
2h22
